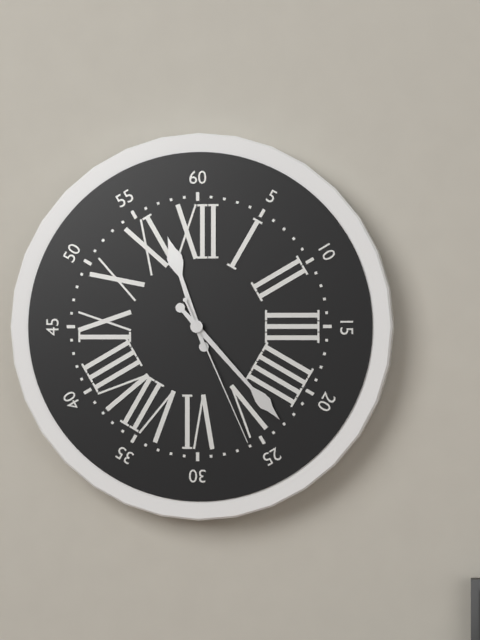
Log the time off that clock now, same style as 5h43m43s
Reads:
11h23m26s
